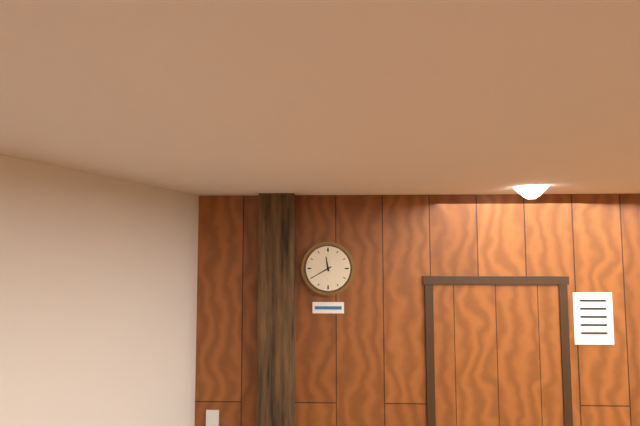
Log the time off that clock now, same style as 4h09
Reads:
11h40
